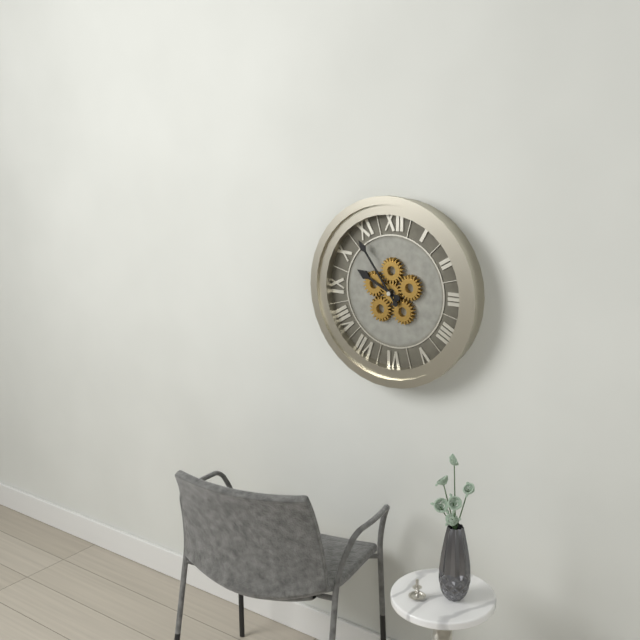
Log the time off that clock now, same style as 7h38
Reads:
9h54
